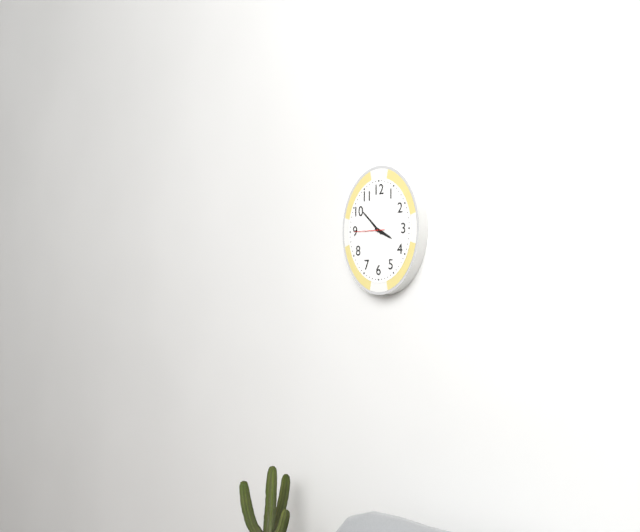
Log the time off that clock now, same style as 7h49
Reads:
3h52
